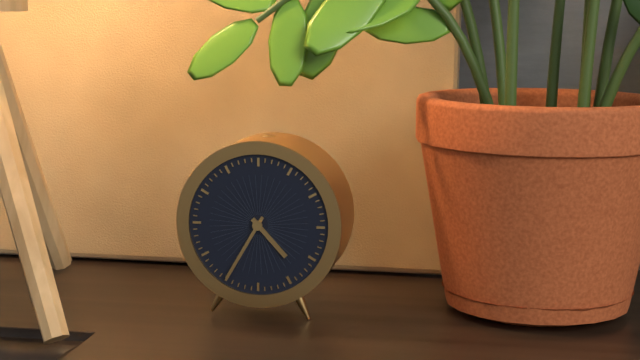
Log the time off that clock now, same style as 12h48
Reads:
4h35
